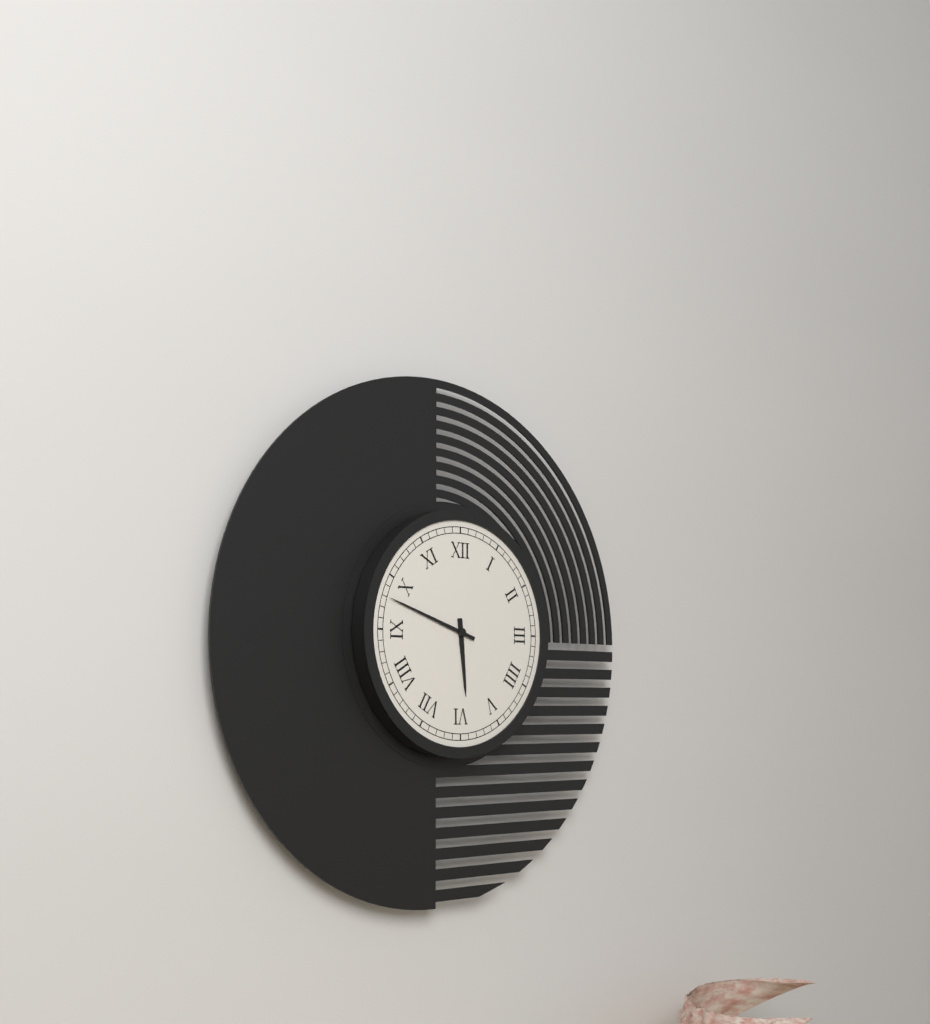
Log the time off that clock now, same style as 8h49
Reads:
5h48
